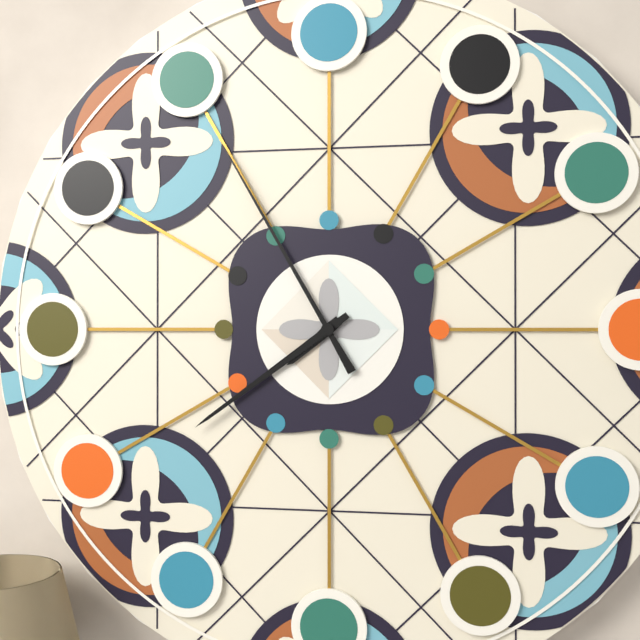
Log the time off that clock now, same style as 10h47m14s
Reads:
7h39m55s
